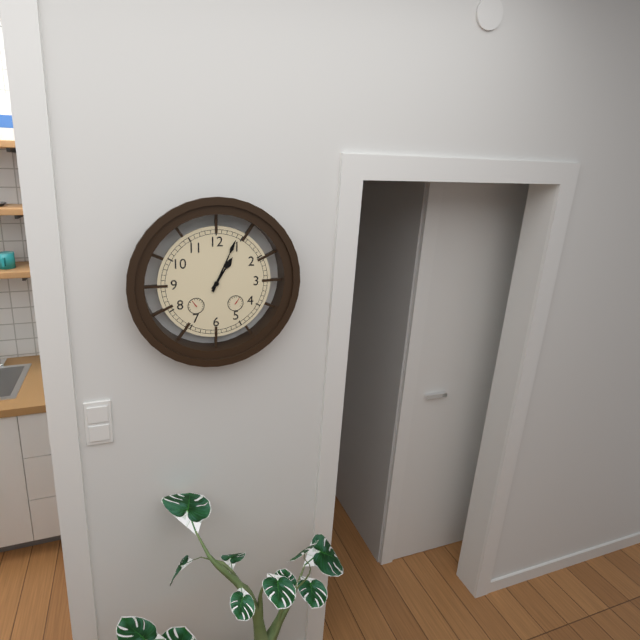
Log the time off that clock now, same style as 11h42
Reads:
1h04
